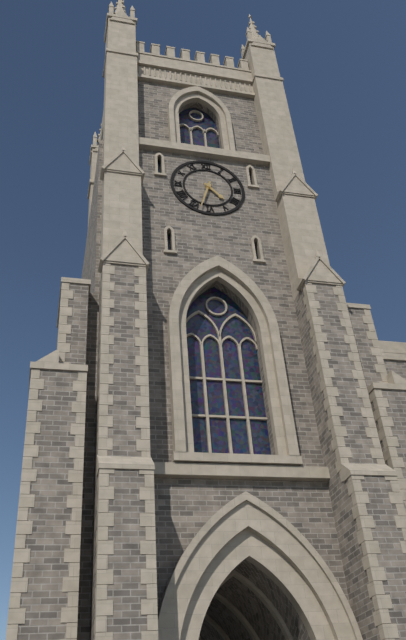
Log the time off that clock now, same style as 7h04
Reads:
4h33
